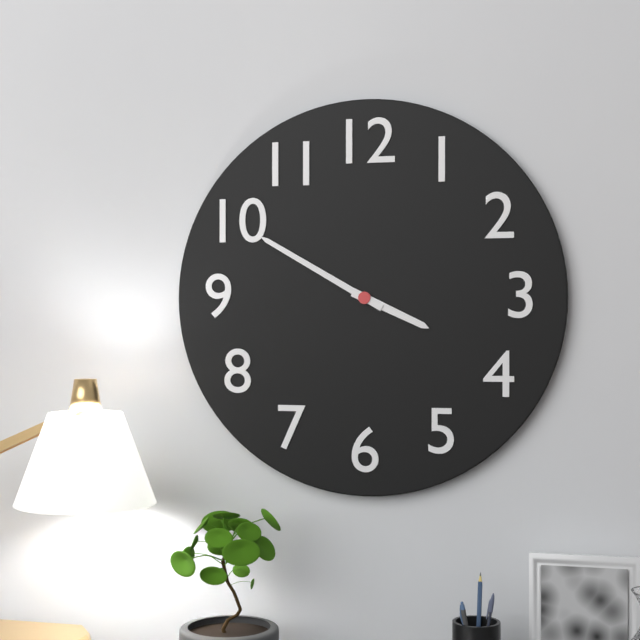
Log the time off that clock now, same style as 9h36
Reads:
3h50
